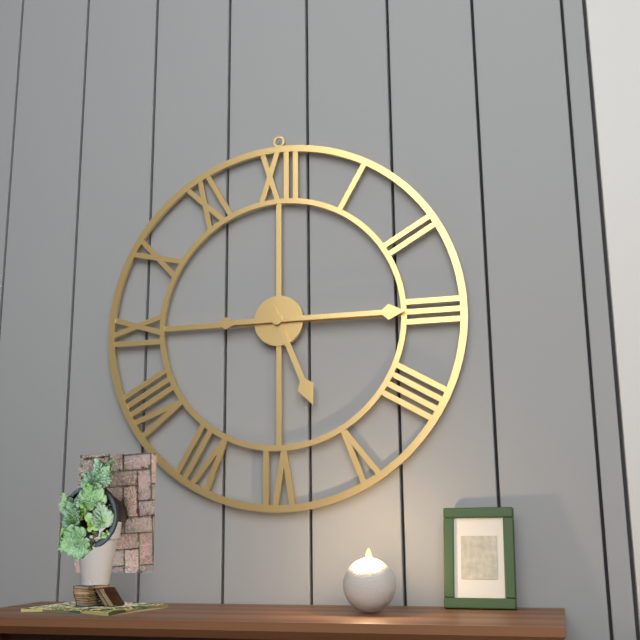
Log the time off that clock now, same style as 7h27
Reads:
5h15
